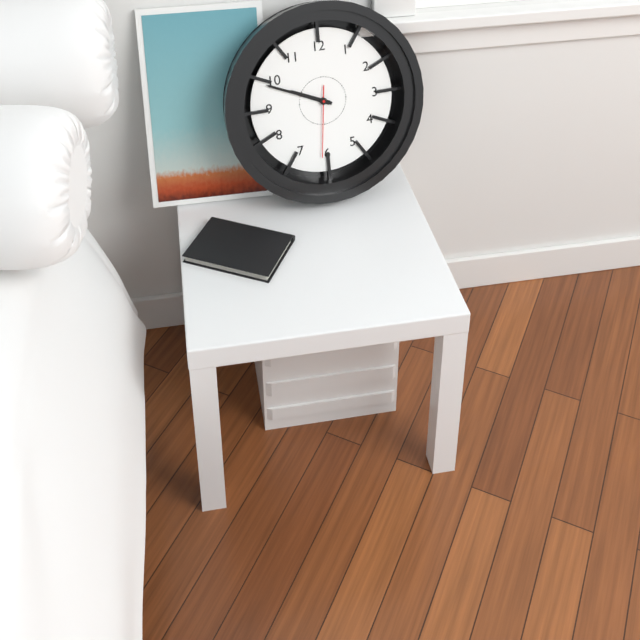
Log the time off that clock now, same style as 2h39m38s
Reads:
9h49m31s
